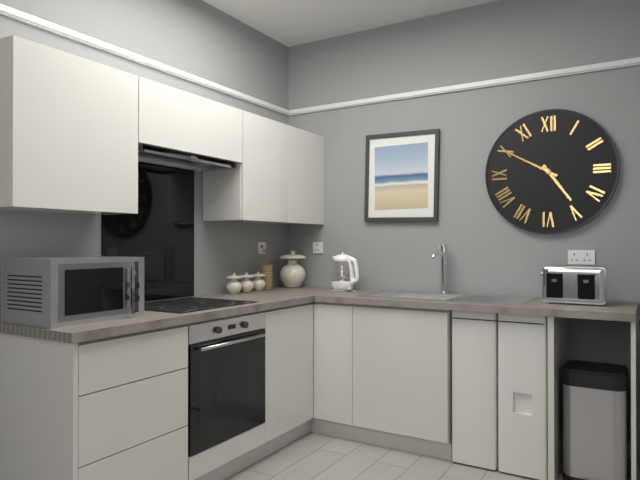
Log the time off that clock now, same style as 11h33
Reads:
4h50
